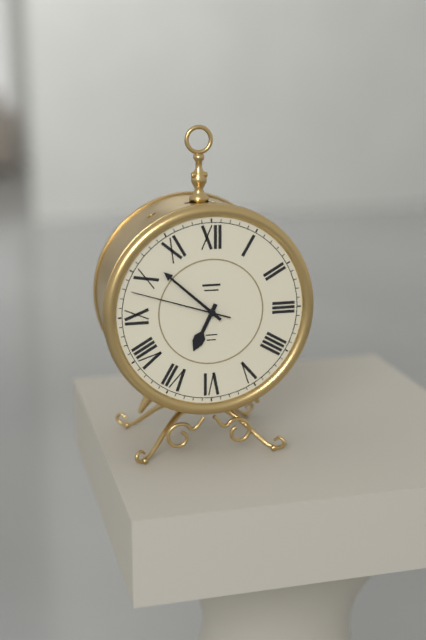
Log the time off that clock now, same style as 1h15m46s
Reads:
6h52m48s
